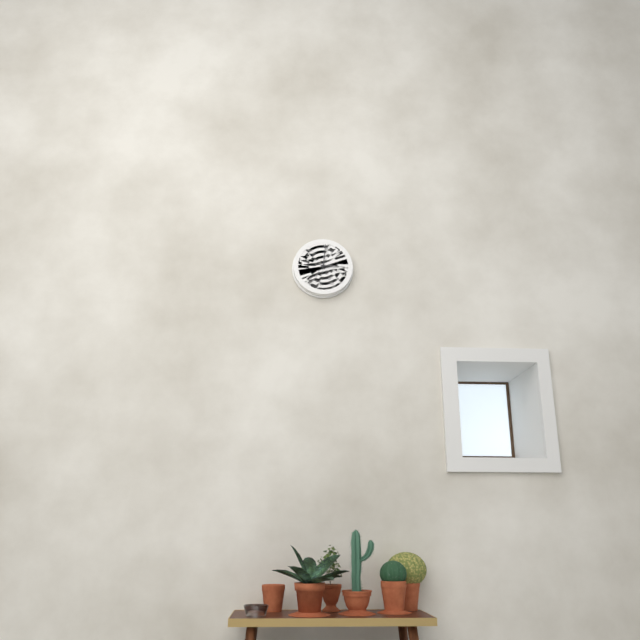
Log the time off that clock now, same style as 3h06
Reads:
3h01
